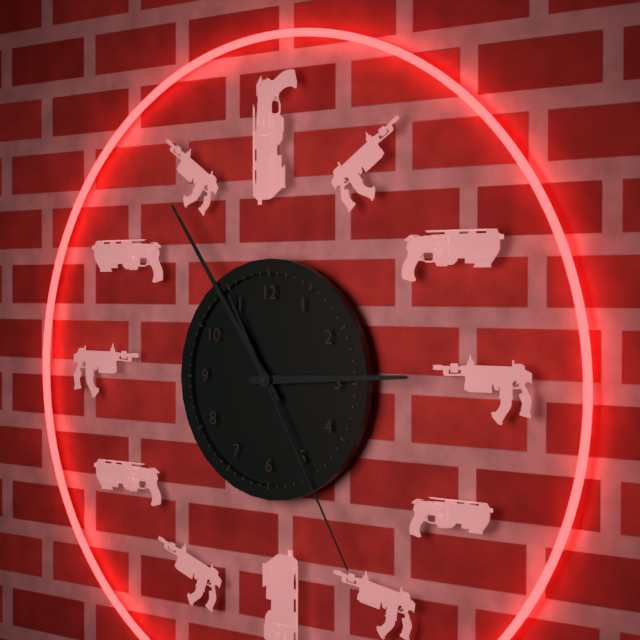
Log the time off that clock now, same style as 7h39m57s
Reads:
2h54m25s
